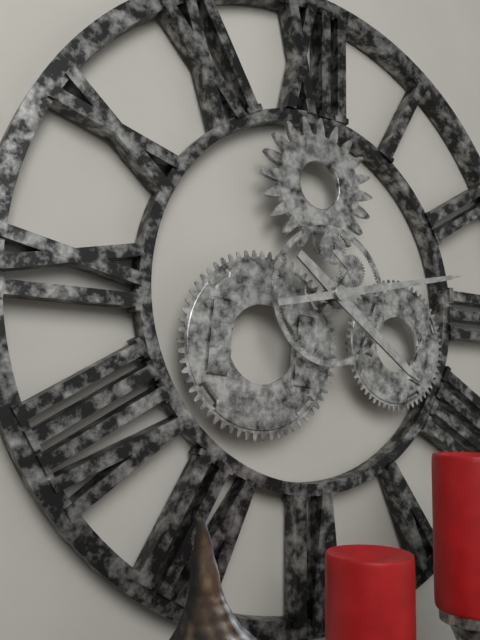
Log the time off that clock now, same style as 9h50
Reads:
4h13
